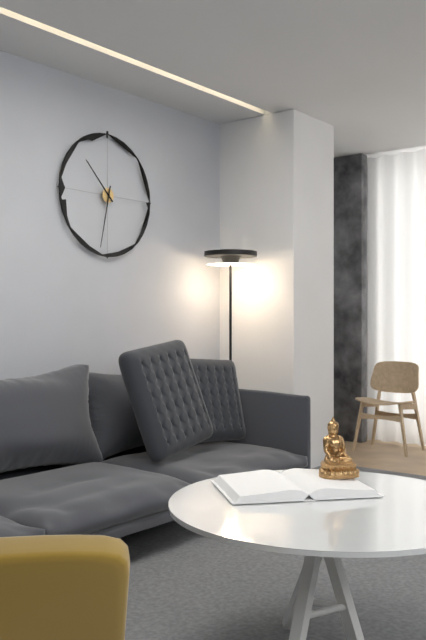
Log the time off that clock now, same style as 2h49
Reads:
10h32
